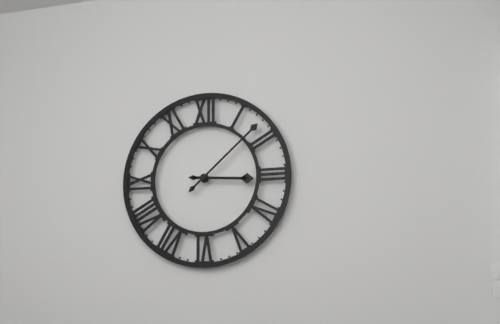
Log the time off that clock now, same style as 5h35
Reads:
3h08
